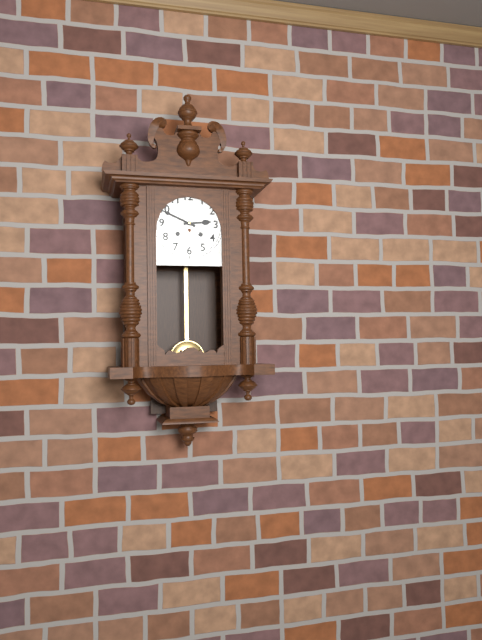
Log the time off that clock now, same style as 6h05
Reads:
2h49
